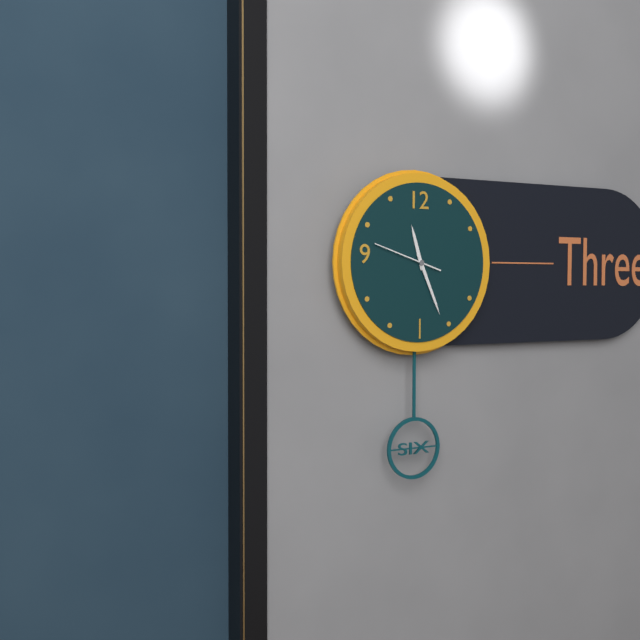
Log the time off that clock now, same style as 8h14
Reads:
11h26
